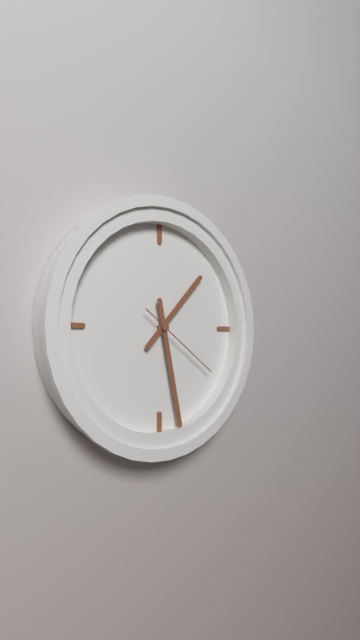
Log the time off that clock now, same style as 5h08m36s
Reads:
1h28m21s
